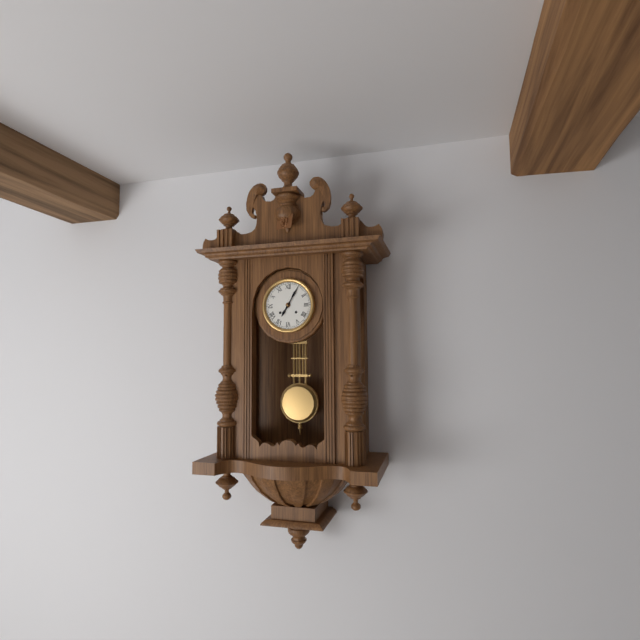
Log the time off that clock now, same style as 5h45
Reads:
7h05
